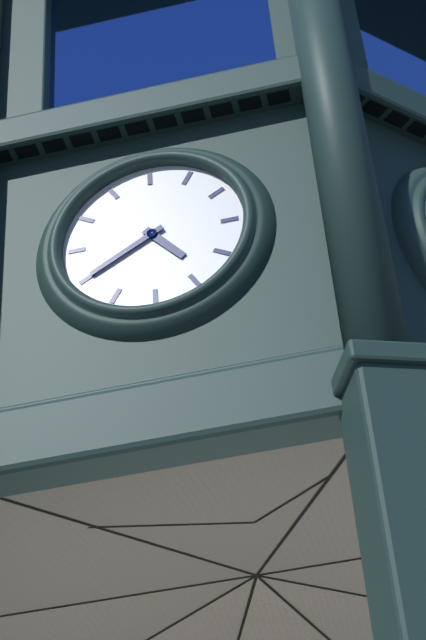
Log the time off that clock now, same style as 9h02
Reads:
4h40
